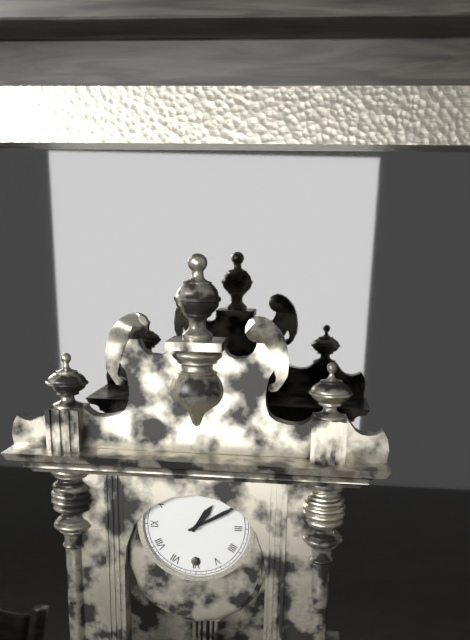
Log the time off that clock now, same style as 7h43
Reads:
1h10
